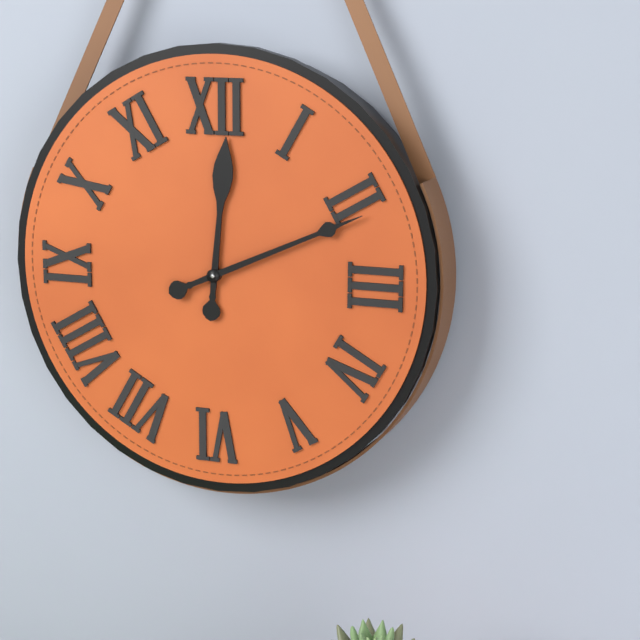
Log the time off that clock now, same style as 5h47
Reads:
12h11
